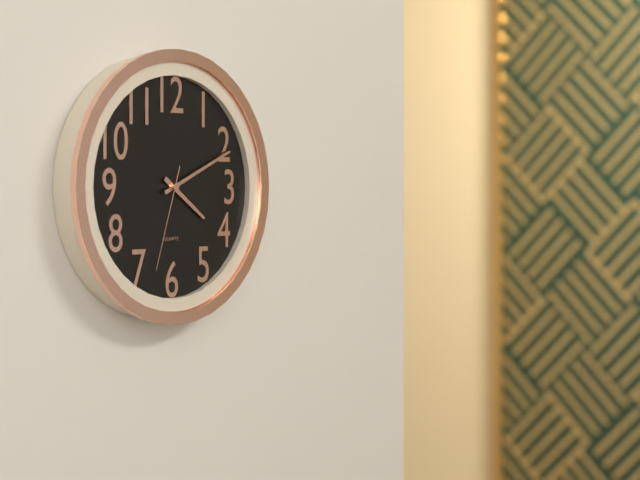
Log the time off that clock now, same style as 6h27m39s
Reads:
4h11m33s
